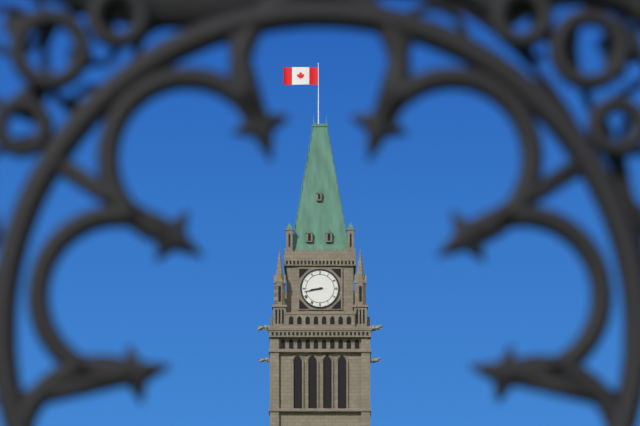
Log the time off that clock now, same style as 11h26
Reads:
8h43
